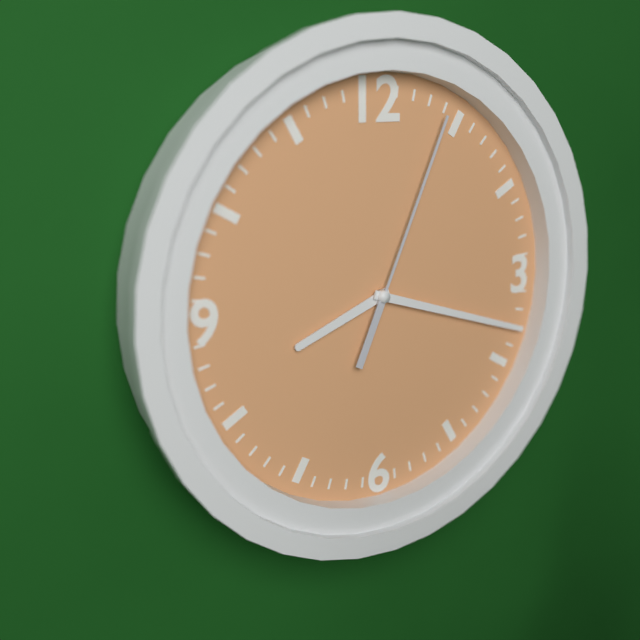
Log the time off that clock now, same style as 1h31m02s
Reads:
8h18m04s
